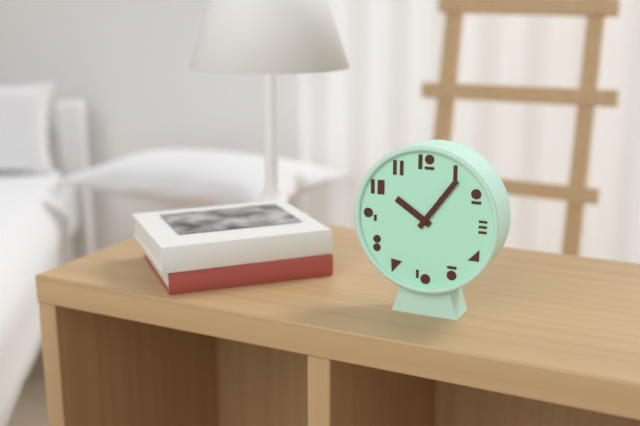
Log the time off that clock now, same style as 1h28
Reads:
10h06
